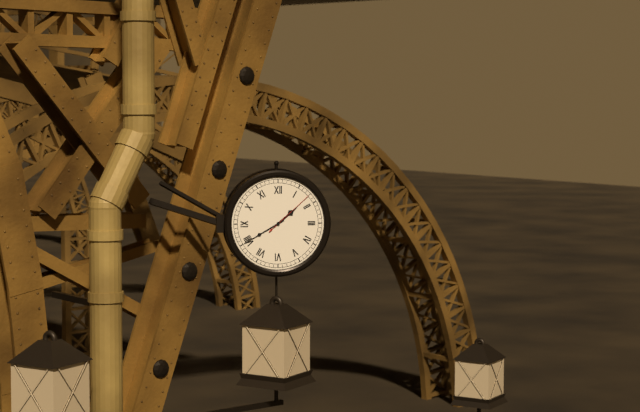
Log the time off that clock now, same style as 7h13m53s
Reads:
1h40m08s
